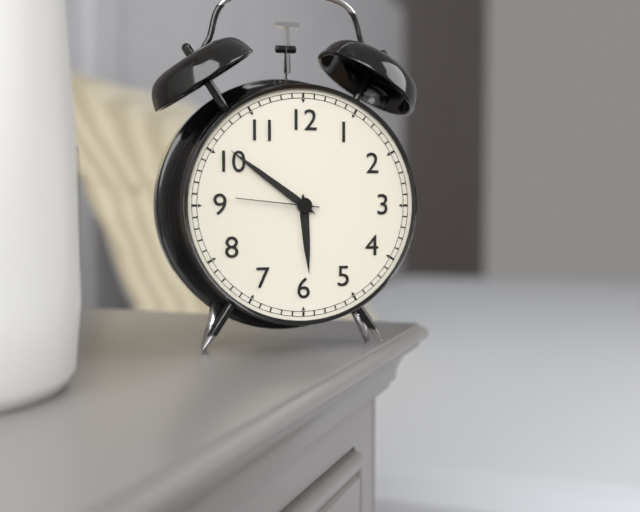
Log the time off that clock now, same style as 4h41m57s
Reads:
5h51m46s
